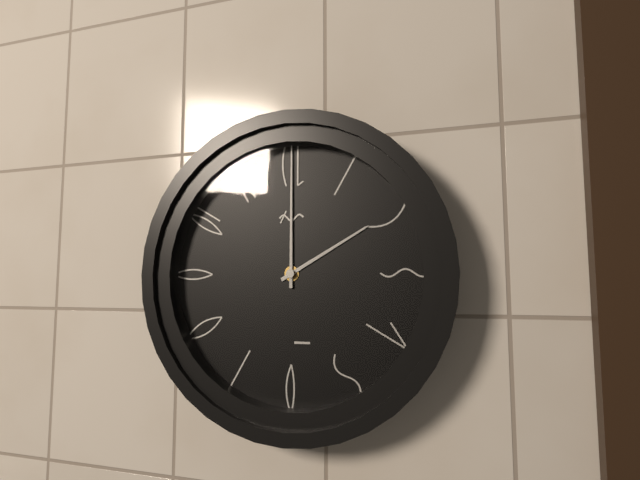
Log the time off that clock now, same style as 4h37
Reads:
2h00
